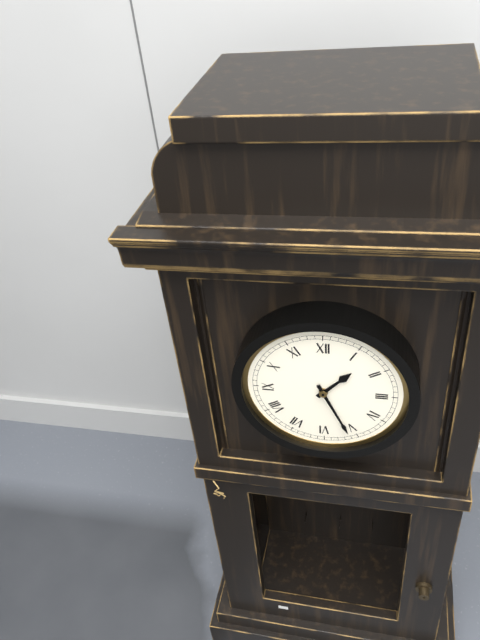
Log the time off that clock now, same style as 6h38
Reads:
1h26
